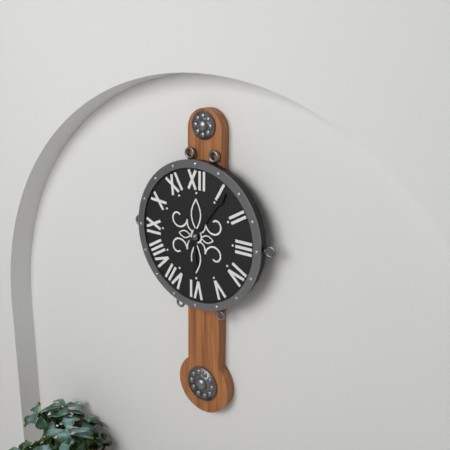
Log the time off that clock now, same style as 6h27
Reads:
6h06
